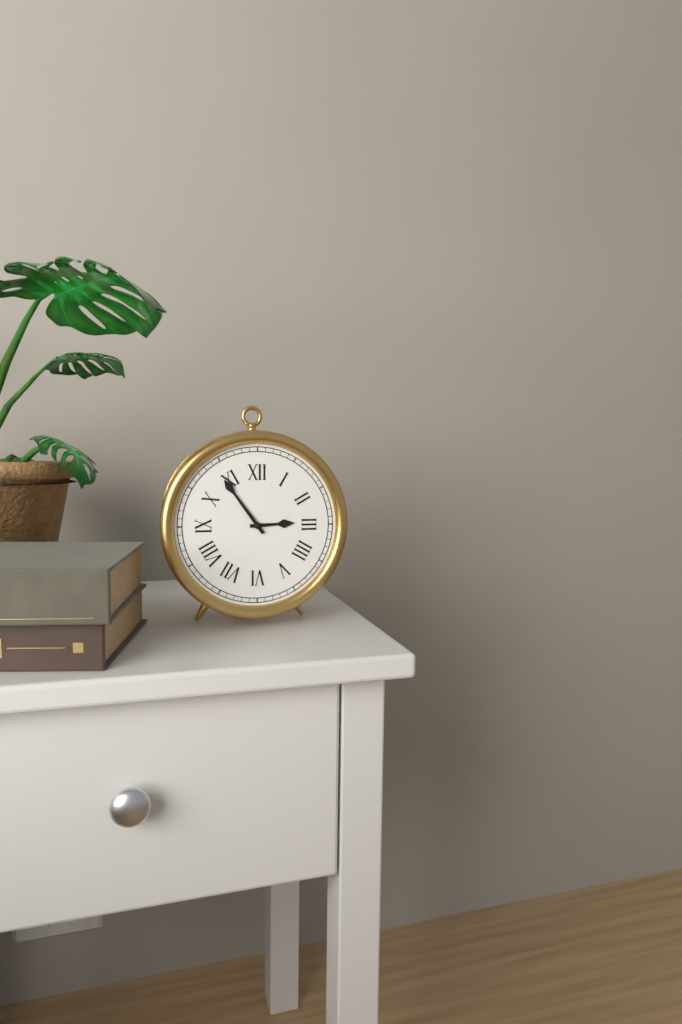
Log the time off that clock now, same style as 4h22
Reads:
2h54
